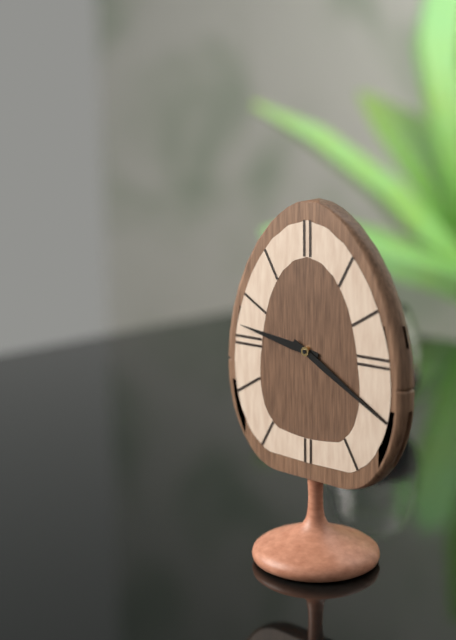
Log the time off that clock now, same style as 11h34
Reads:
9h20
